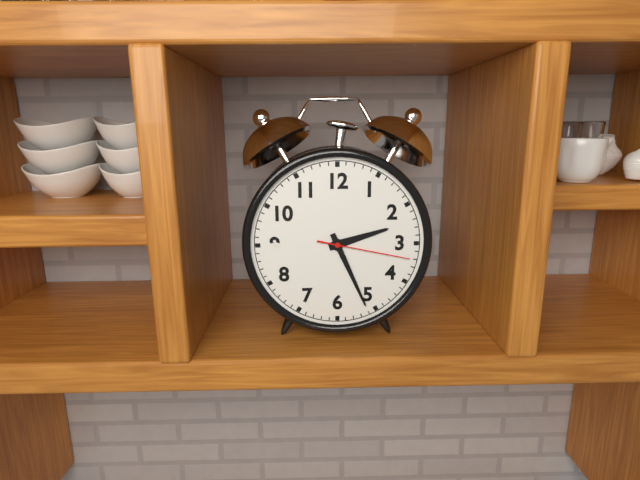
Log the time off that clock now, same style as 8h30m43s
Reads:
2h26m17s
